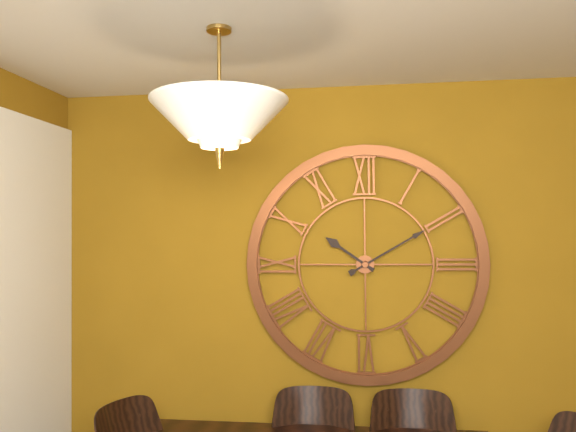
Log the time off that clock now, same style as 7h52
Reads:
10h10
